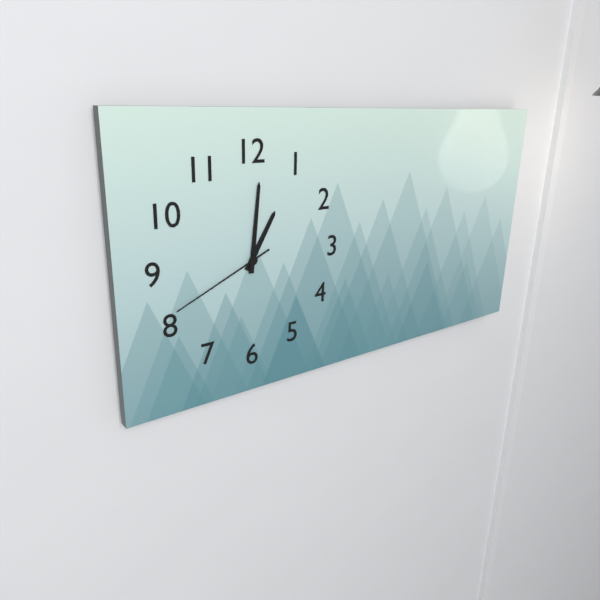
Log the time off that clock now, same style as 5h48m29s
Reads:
1h01m41s
